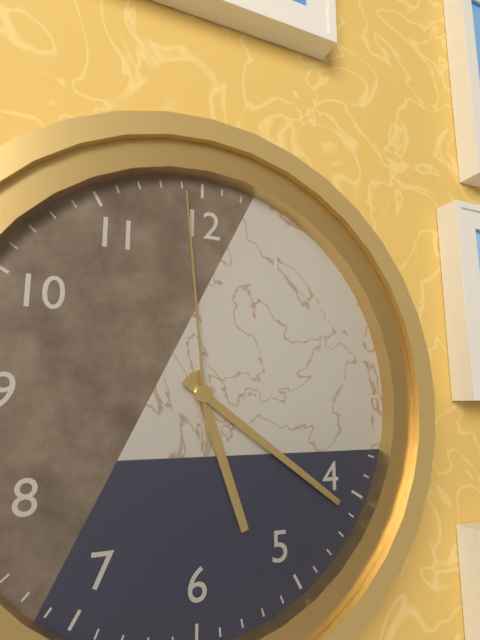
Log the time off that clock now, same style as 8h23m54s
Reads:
5h21m59s
